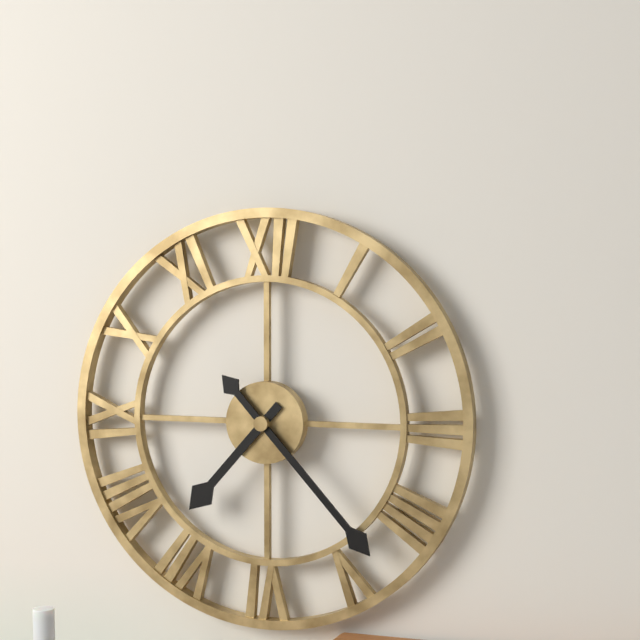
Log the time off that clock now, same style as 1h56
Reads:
7h23
